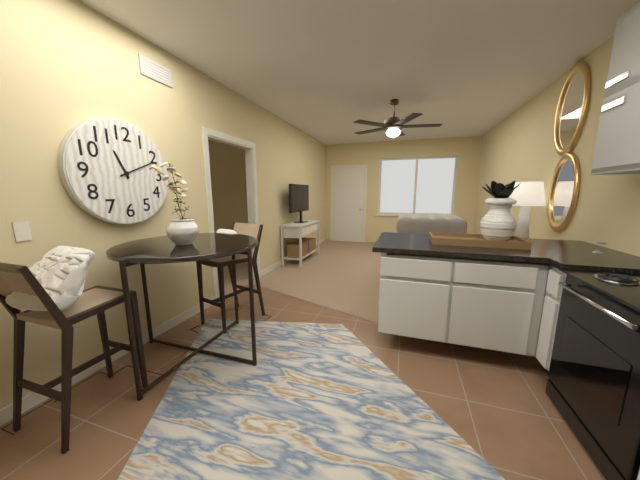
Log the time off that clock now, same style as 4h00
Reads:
11h11
